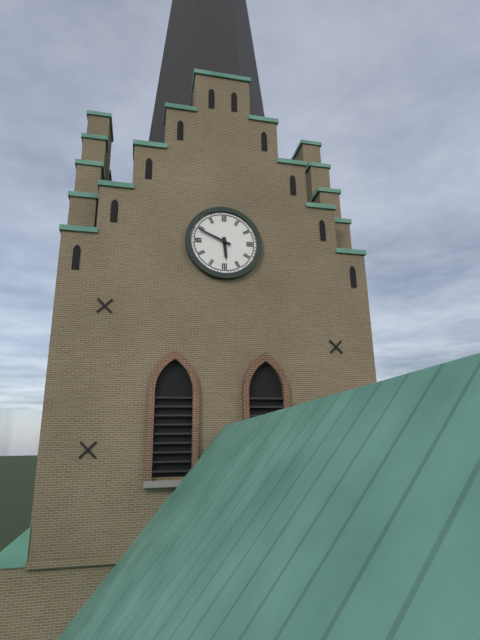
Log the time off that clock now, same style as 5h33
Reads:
5h49
